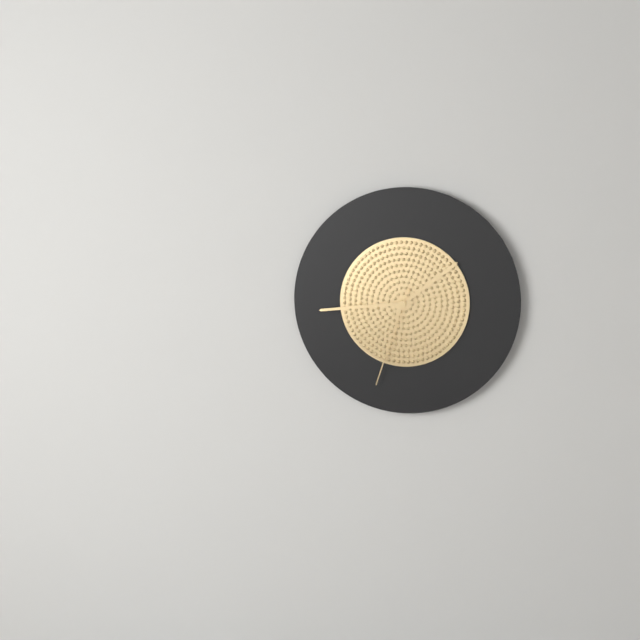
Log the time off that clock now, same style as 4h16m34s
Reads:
1h44m33s
